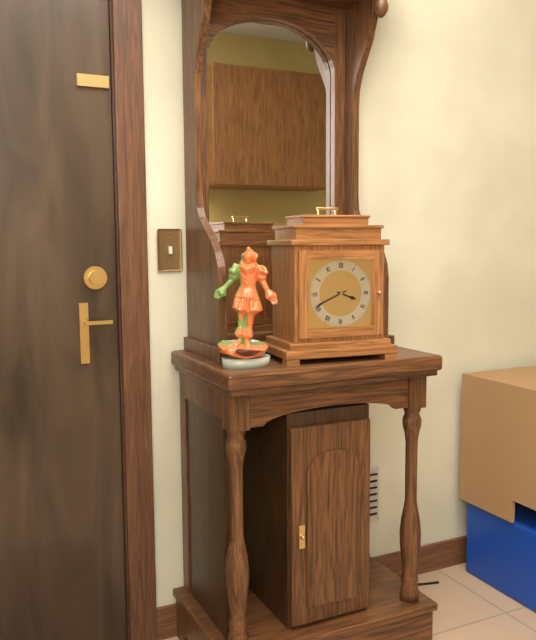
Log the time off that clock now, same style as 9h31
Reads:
3h41
